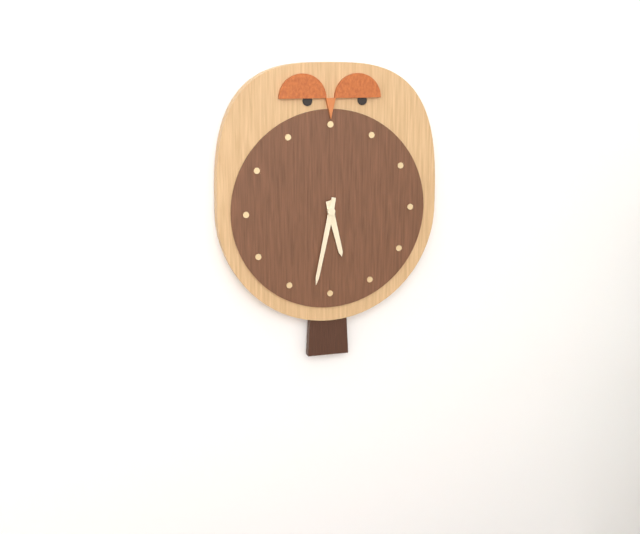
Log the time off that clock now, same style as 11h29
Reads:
5h32
